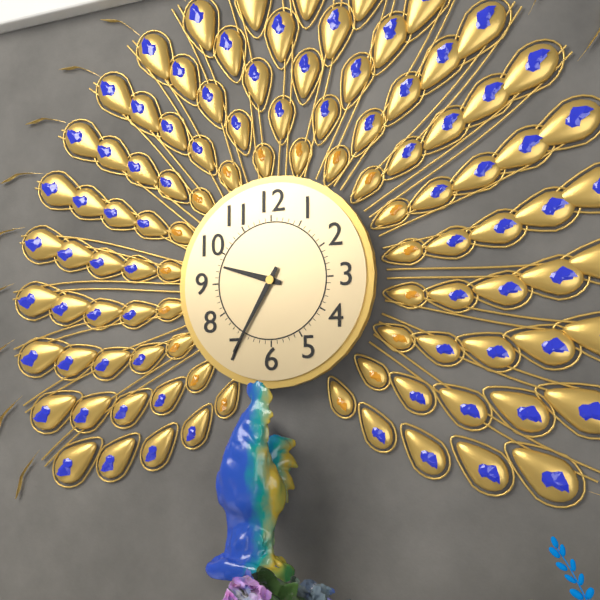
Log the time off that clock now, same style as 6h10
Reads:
9h35
